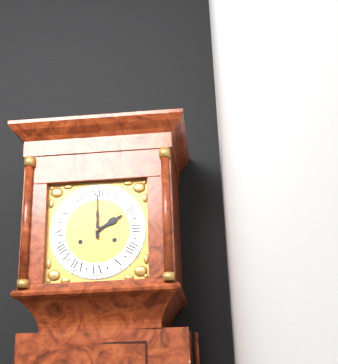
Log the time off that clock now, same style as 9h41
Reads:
2h00
